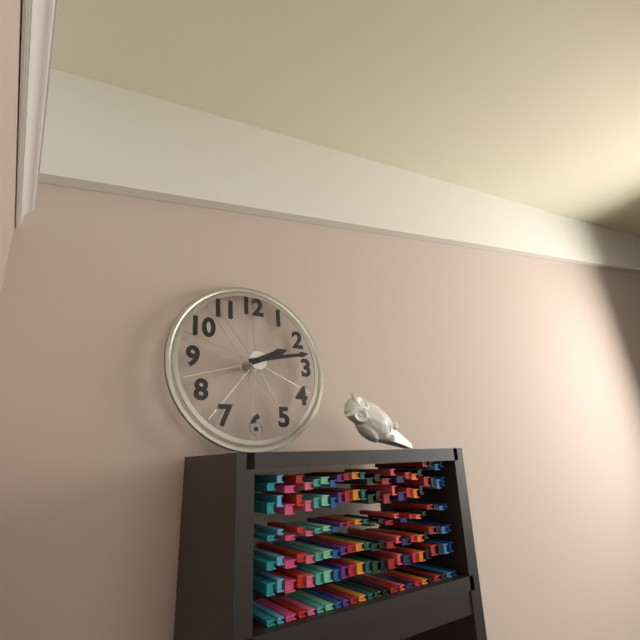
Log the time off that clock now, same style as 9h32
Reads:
2h13
